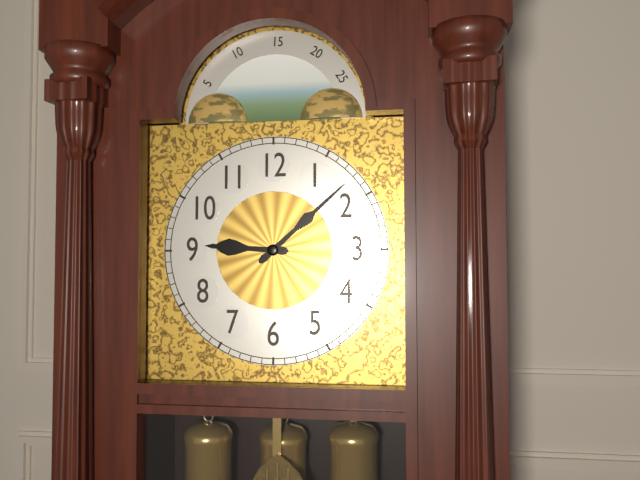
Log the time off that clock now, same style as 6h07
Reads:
9h08
